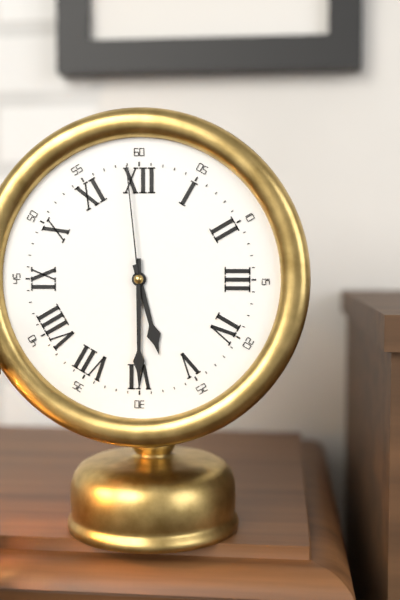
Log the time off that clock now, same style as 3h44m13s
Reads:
5h30m59s
